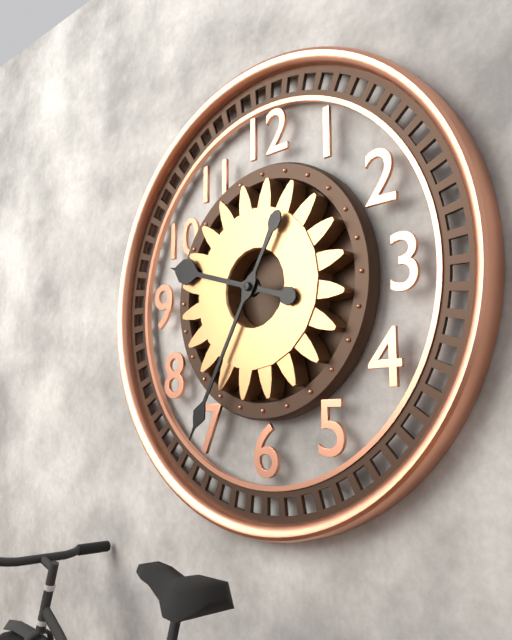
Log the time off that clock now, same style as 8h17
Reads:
9h35
